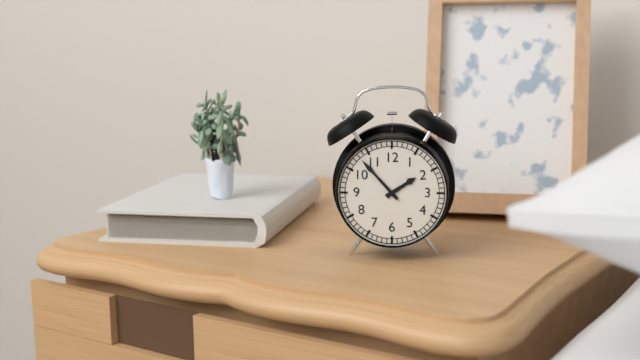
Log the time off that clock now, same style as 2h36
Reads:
1h53
